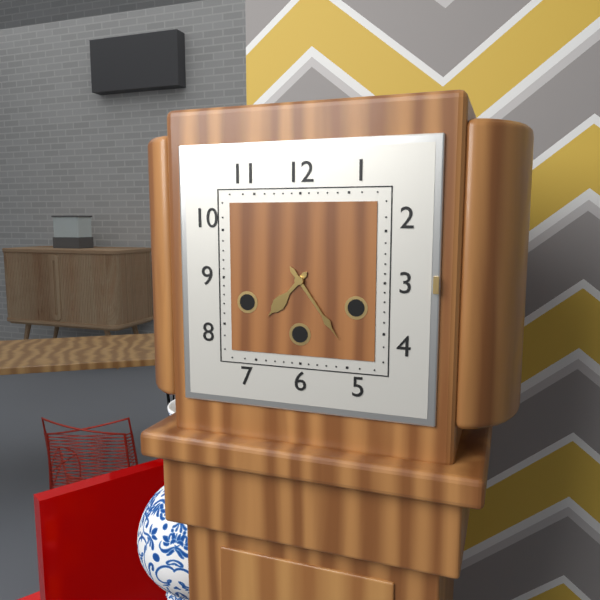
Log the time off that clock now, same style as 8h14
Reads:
7h24
